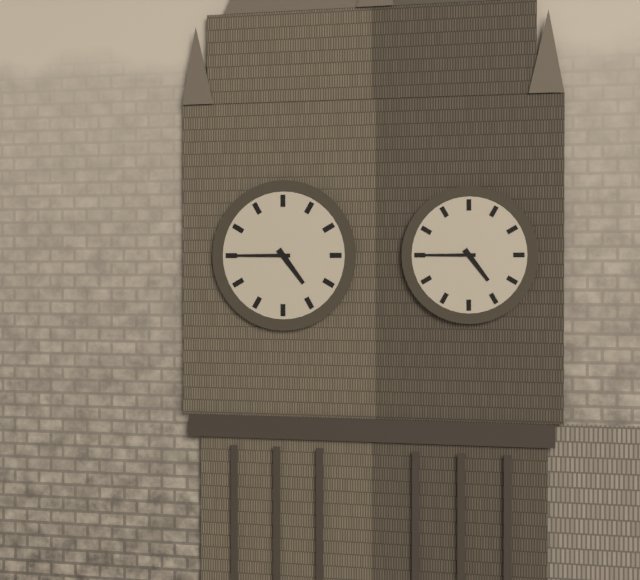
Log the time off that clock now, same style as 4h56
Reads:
4h45
